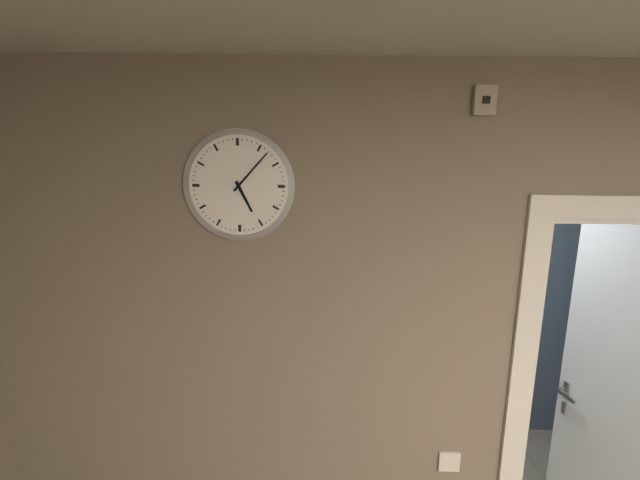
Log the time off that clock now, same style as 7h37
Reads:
5h07
